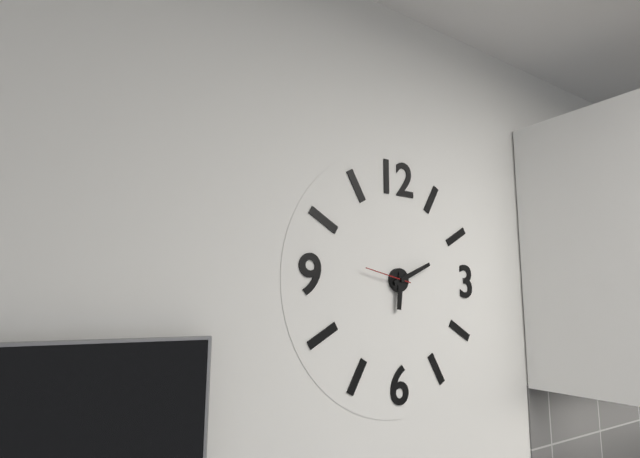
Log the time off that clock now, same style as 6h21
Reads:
6h11
